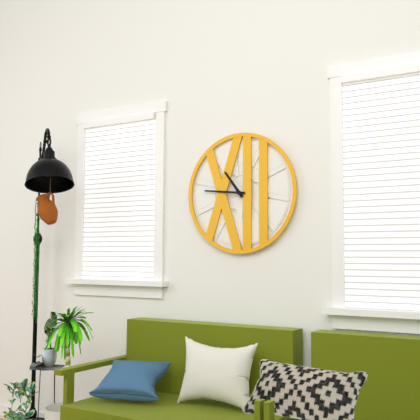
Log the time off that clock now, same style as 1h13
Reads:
10h46
